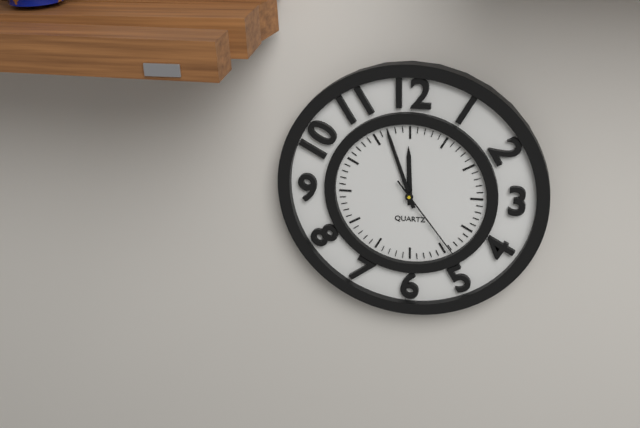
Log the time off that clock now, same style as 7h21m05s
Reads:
11h57m24s
